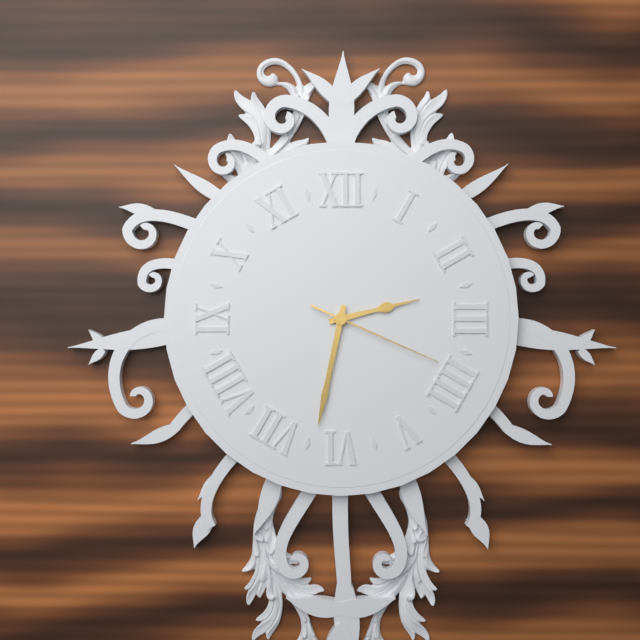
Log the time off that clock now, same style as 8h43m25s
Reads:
2h32m19s
